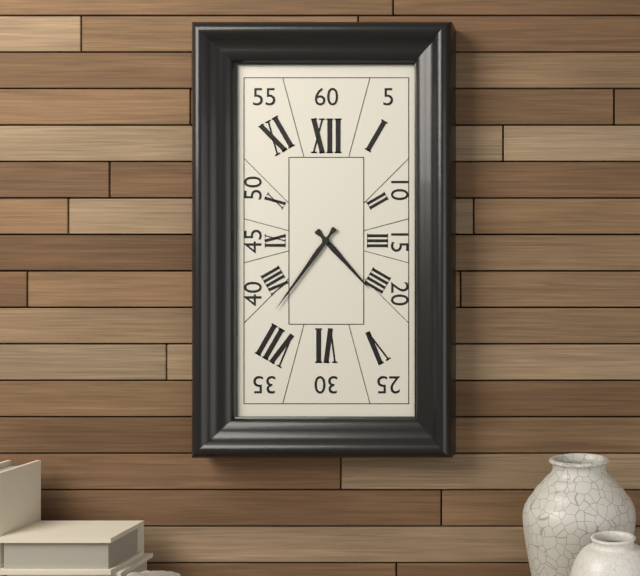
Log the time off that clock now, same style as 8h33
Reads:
4h36
